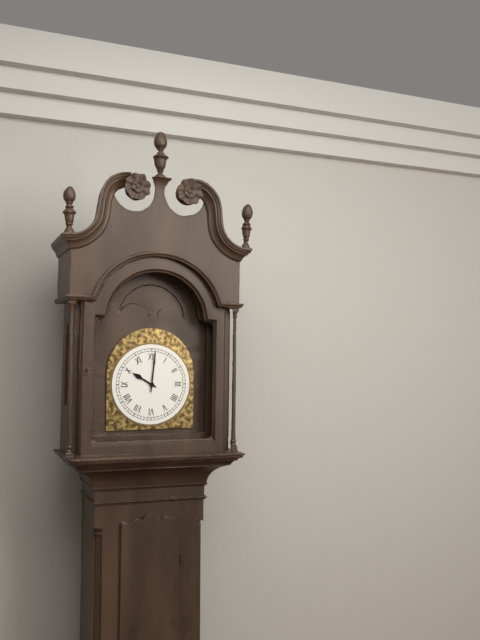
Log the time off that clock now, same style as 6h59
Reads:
10h01
